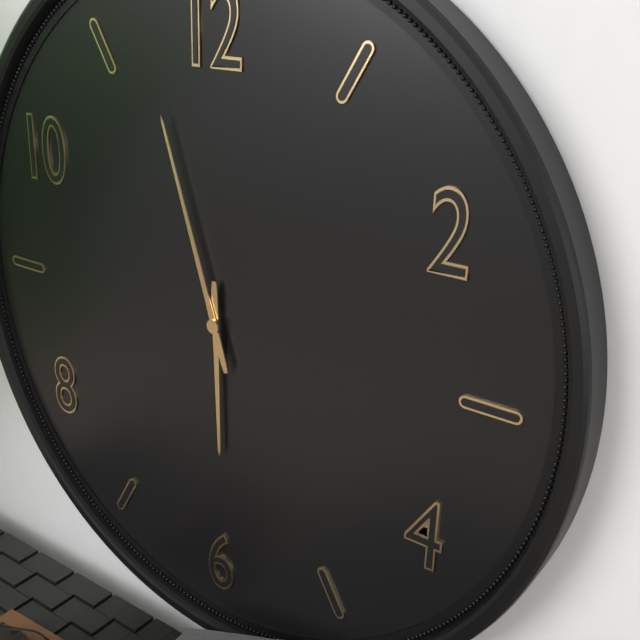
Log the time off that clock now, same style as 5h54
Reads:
5h57
